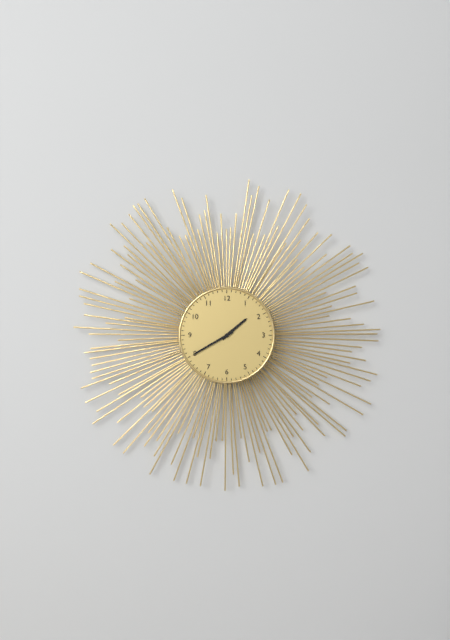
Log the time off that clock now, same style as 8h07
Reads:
1h40
